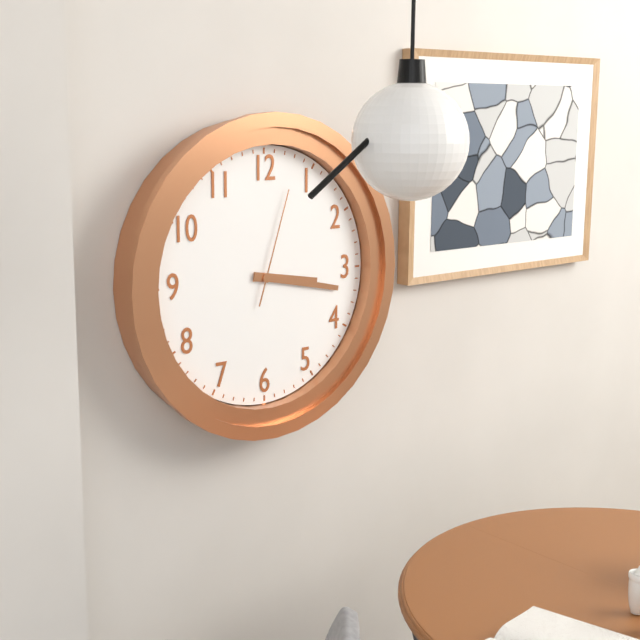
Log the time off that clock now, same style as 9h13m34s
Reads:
3h17m03s
